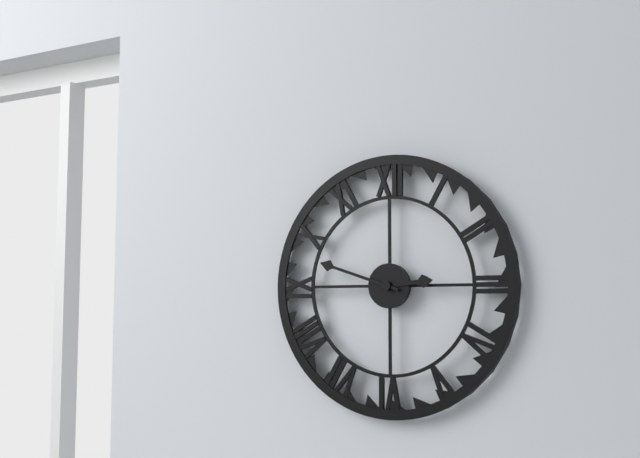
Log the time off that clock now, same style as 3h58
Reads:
2h48
